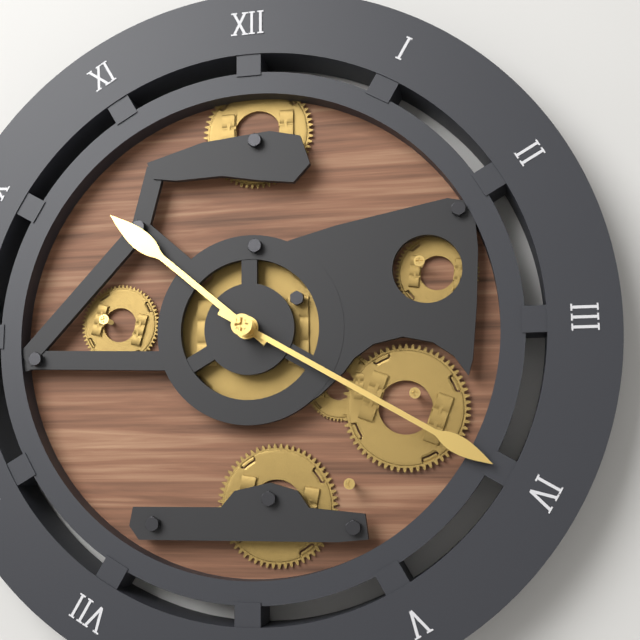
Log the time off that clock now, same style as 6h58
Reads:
10h20
